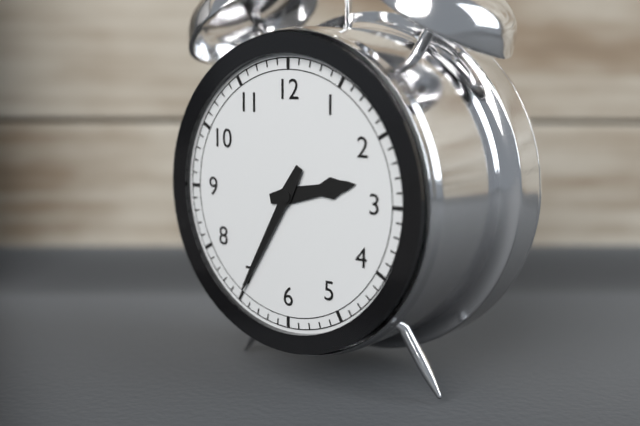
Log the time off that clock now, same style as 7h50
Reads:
2h35
